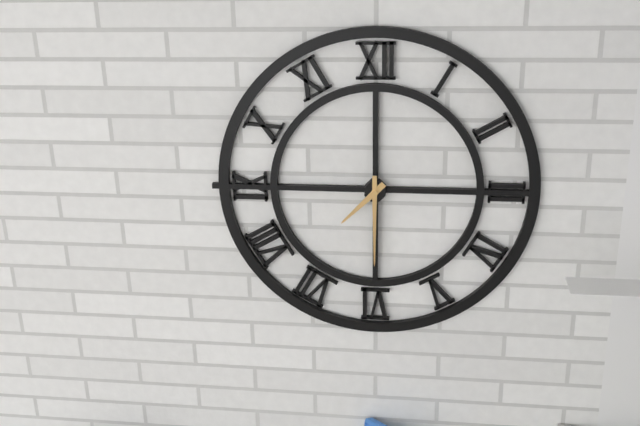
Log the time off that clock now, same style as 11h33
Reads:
7h30
